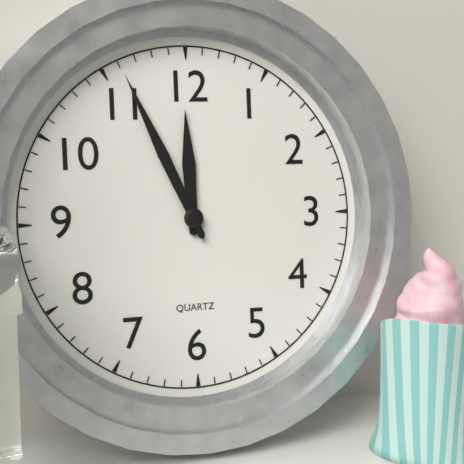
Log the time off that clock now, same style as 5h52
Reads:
11h56
